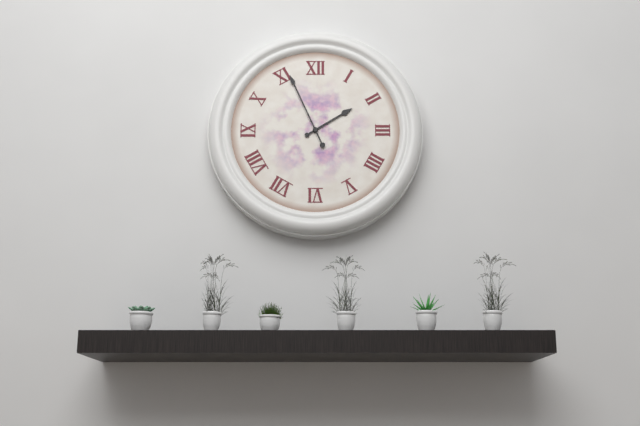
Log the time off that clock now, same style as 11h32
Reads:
1h56
